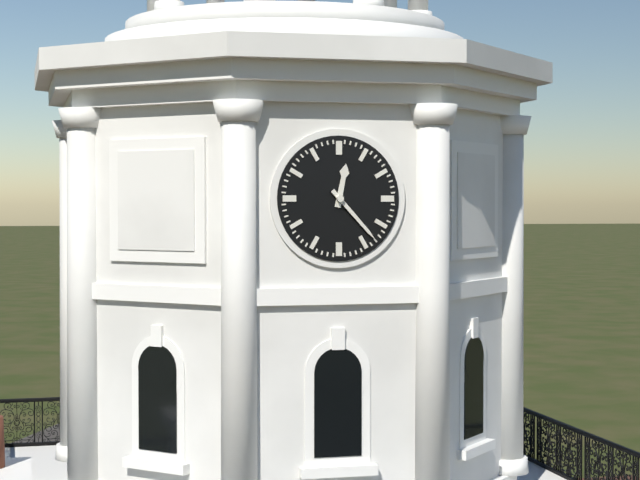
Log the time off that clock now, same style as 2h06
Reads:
12h23
